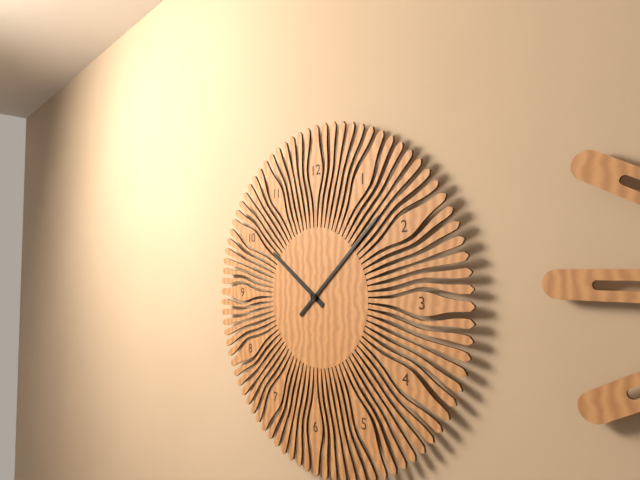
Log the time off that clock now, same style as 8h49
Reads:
10h08
